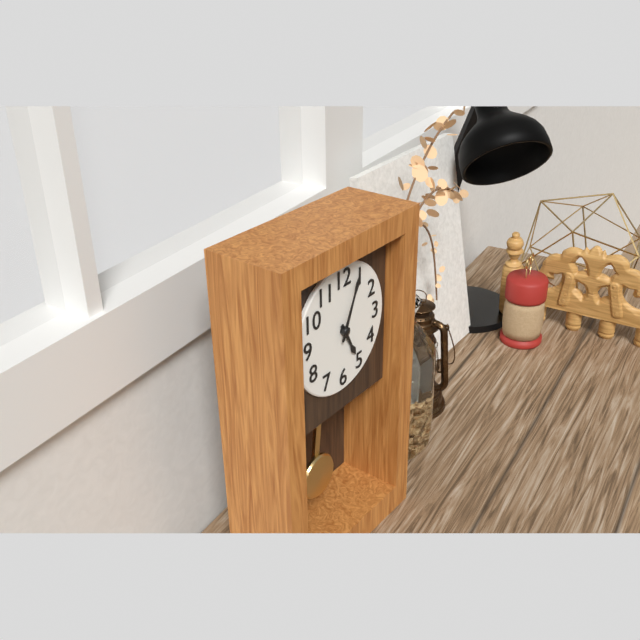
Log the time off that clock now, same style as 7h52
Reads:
5h04
